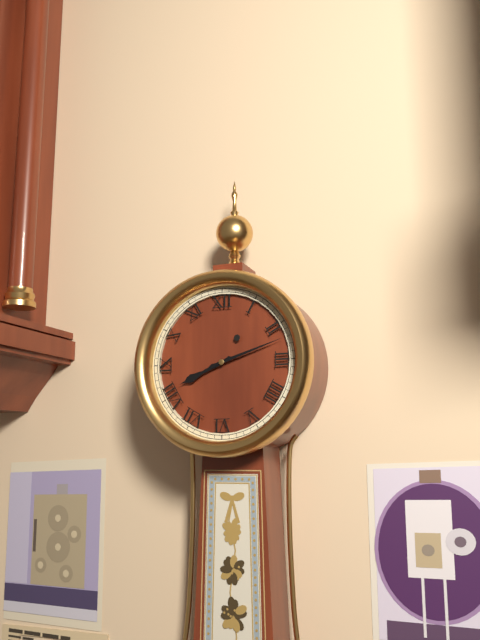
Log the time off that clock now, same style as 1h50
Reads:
8h12
